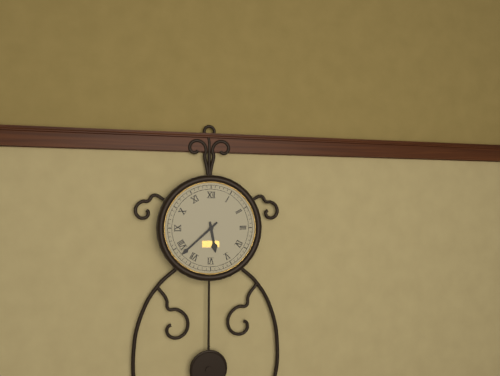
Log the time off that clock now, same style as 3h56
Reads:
5h38
